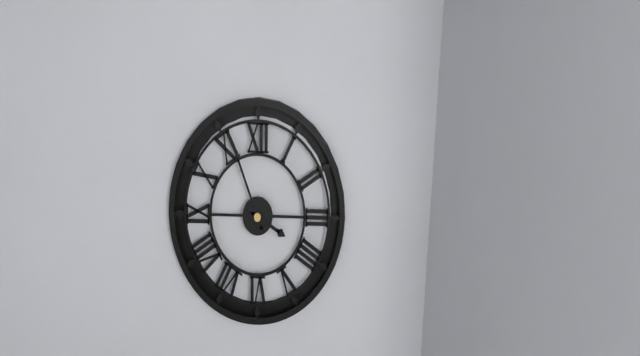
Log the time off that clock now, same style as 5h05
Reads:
3h56
